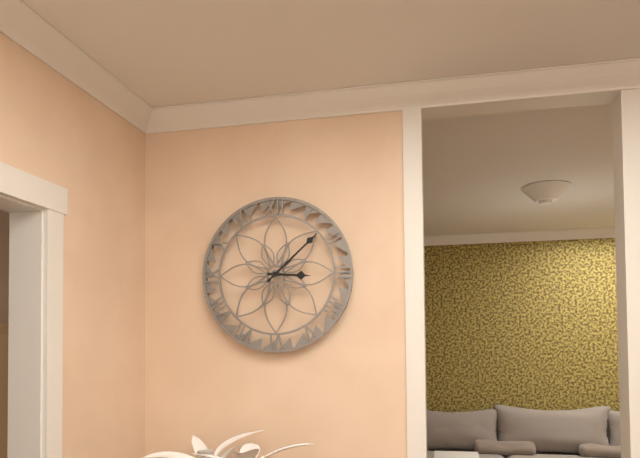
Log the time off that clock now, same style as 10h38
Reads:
3h08
